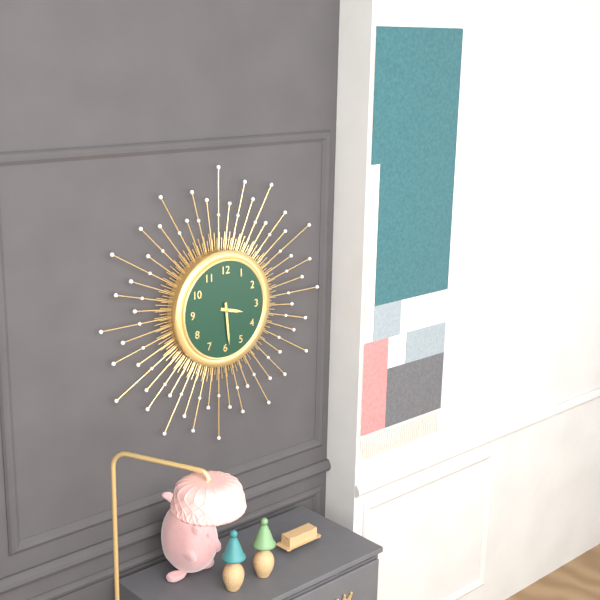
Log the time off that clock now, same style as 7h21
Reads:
3h29
